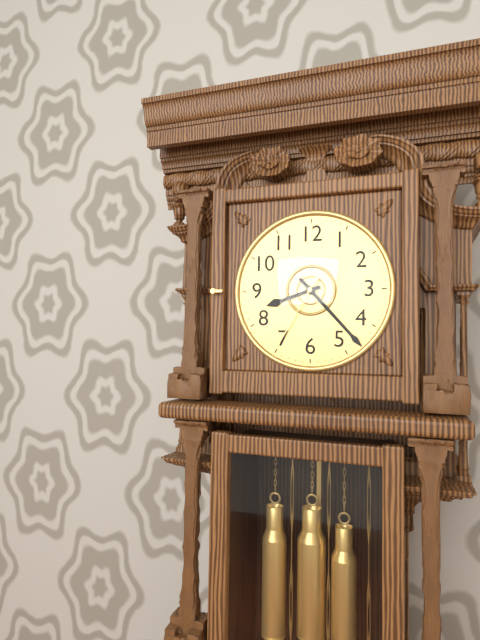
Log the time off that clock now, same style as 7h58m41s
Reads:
8h23m35s
